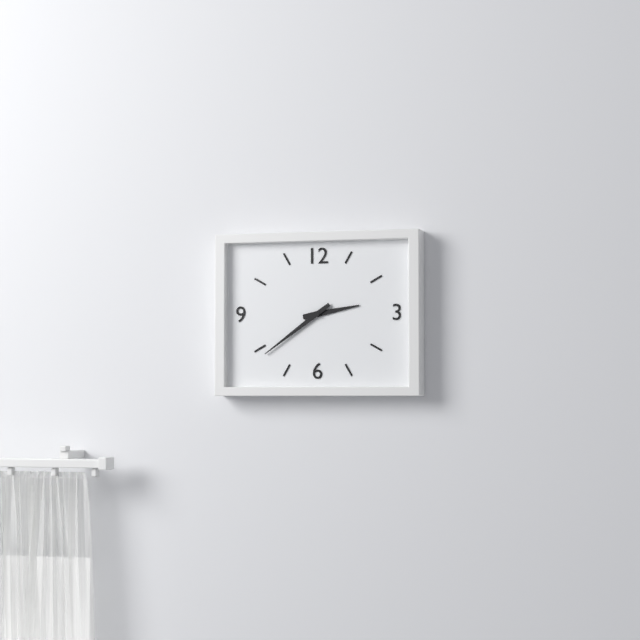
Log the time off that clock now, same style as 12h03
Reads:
2h39
